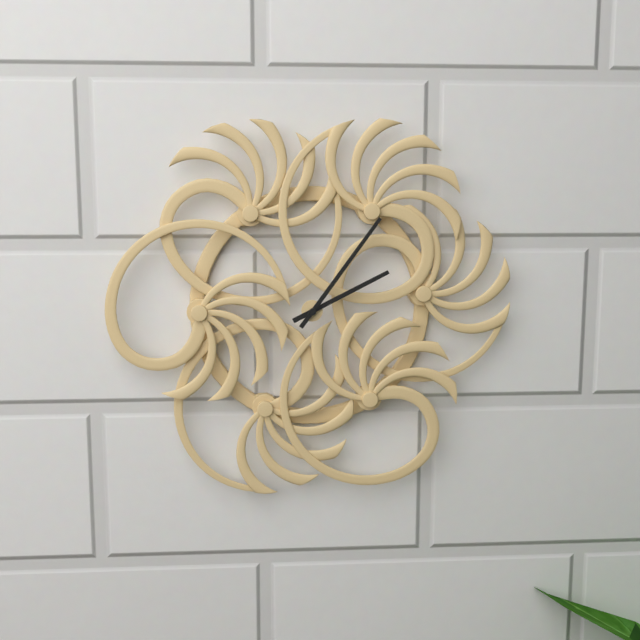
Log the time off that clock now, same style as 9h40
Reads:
2h06
